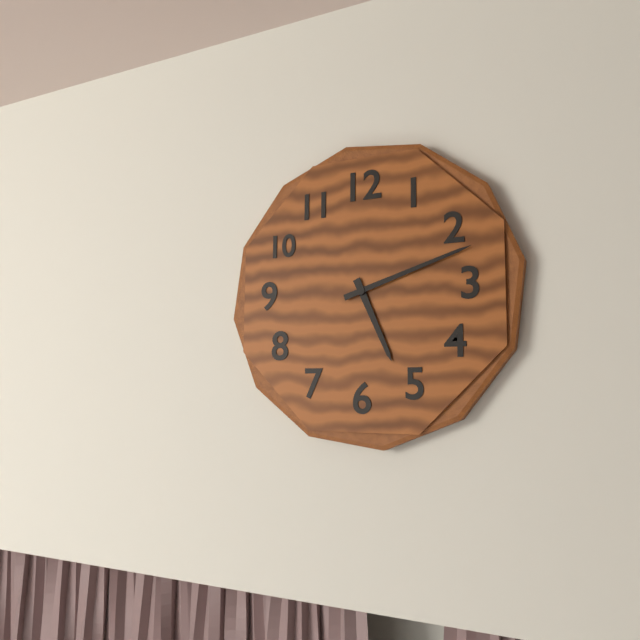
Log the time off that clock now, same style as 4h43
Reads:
5h12
